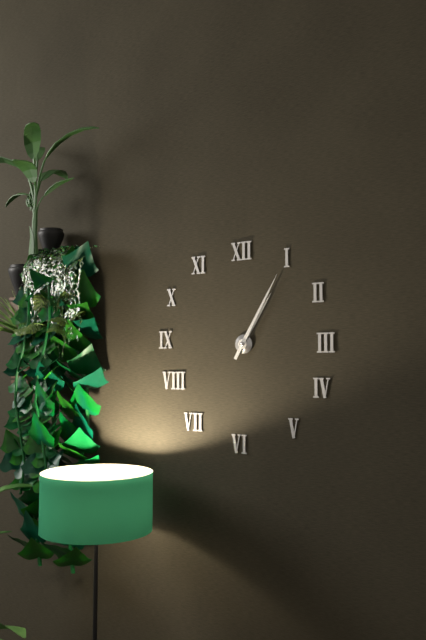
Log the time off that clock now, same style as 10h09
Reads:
1h05
